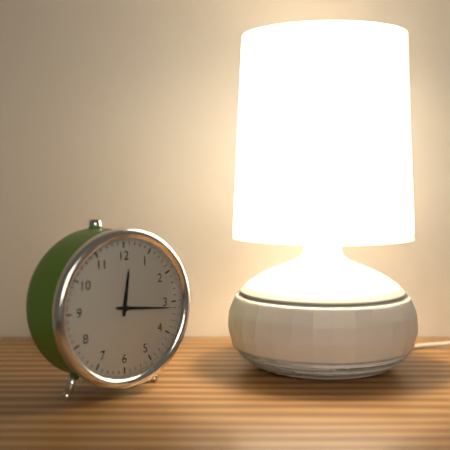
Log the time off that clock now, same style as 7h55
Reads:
12h16
